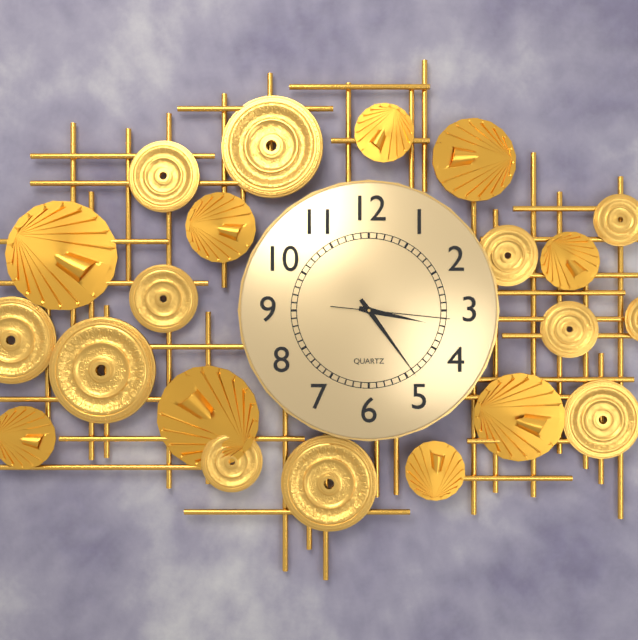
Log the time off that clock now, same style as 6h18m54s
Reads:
3h24m16s
